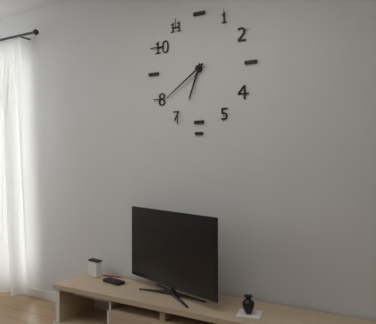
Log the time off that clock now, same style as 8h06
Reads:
6h39
